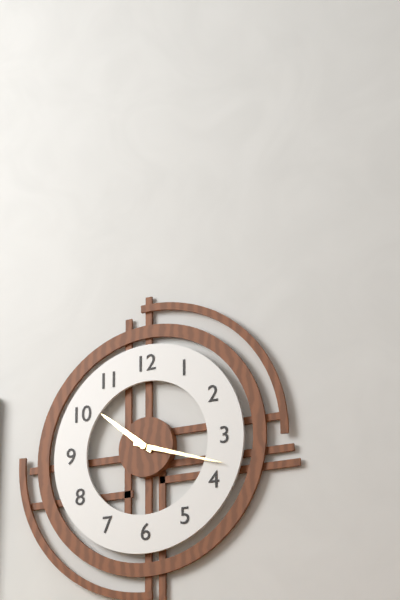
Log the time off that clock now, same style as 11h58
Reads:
10h18
